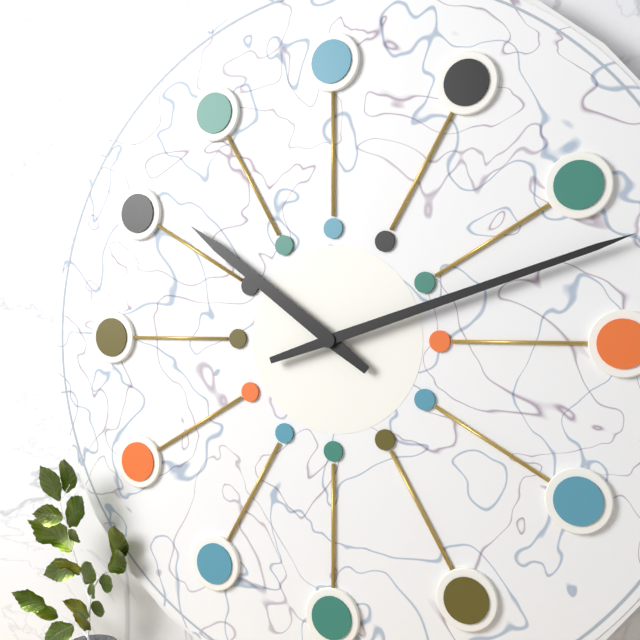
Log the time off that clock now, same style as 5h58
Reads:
10h12
